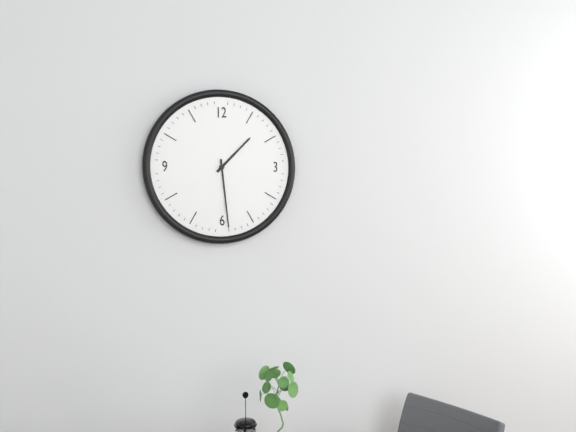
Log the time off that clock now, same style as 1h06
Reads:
1h29
